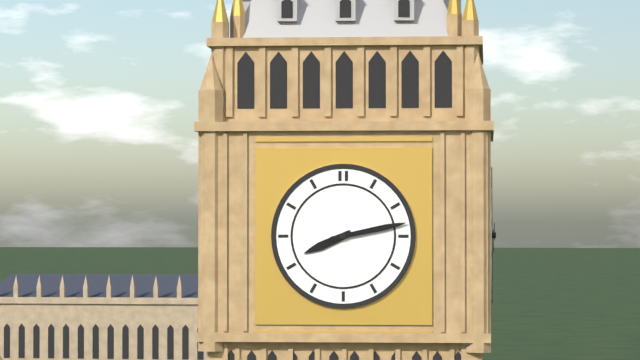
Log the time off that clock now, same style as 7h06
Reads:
8h13
